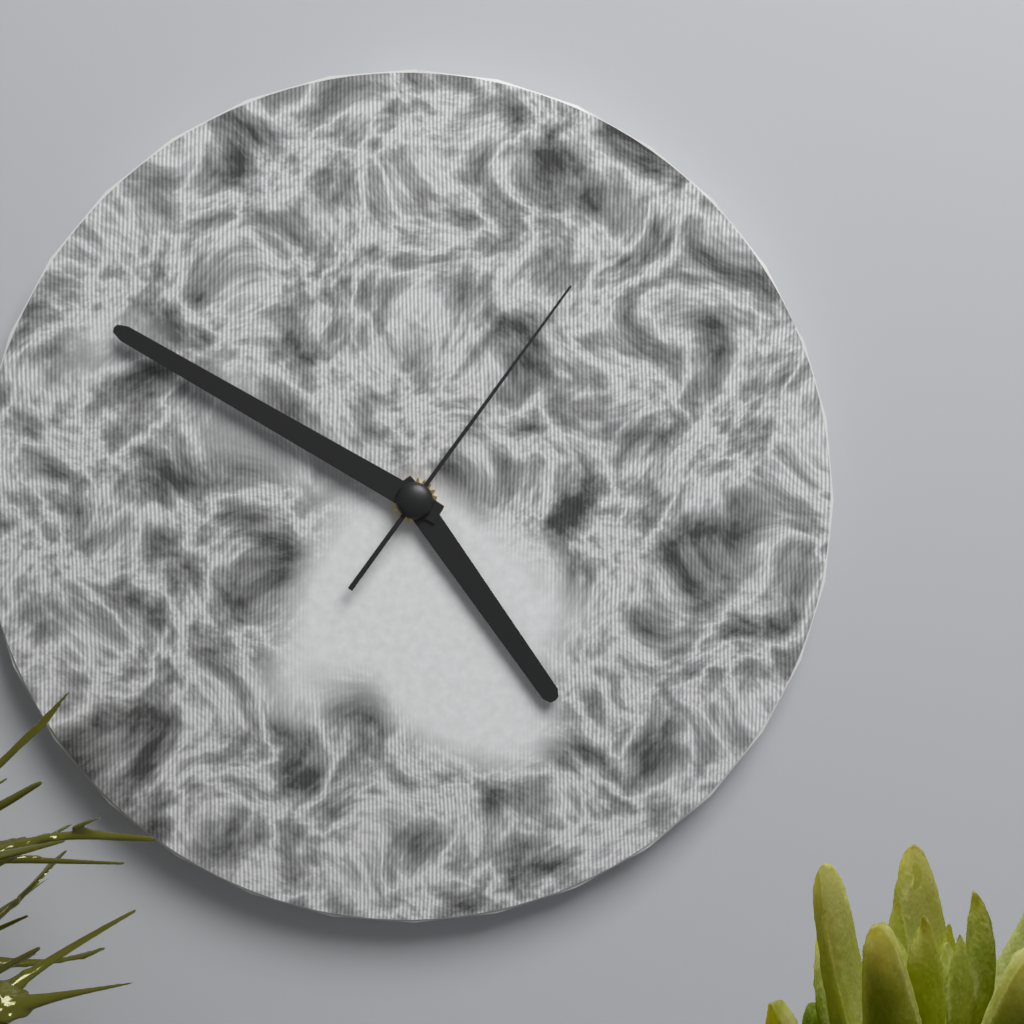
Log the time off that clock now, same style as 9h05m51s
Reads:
4h50m06s
